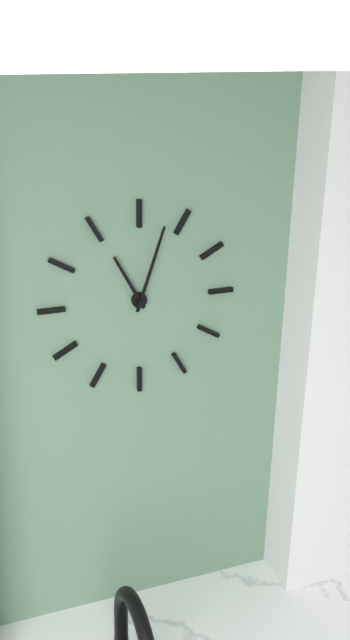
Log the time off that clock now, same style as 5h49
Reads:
11h03
